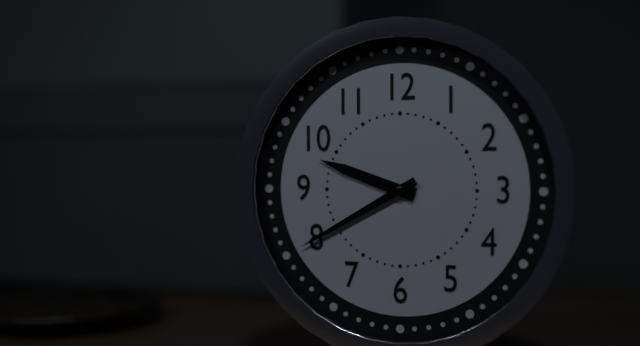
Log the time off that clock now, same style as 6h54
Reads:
9h40
